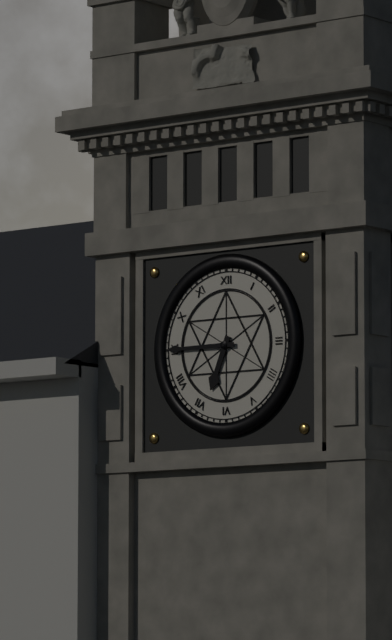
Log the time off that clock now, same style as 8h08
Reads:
6h45
